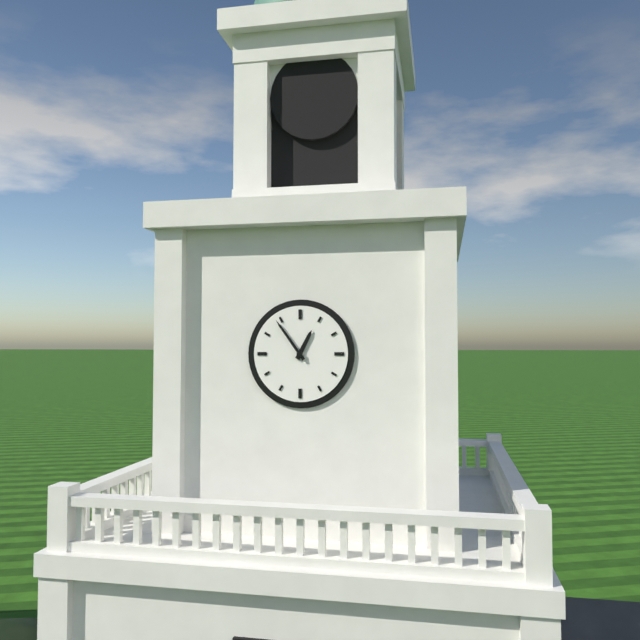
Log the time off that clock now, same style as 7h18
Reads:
12h54
